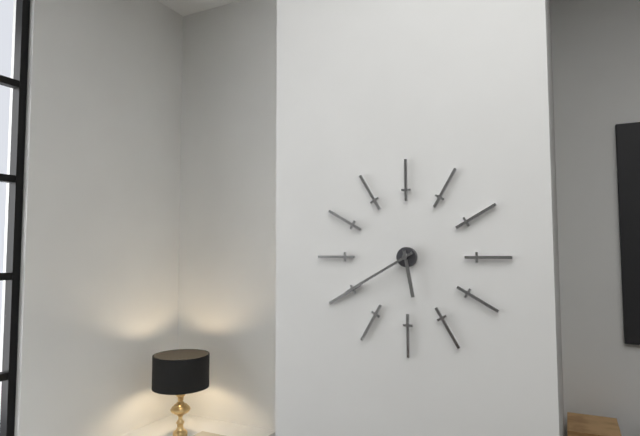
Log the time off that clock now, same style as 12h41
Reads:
5h40
